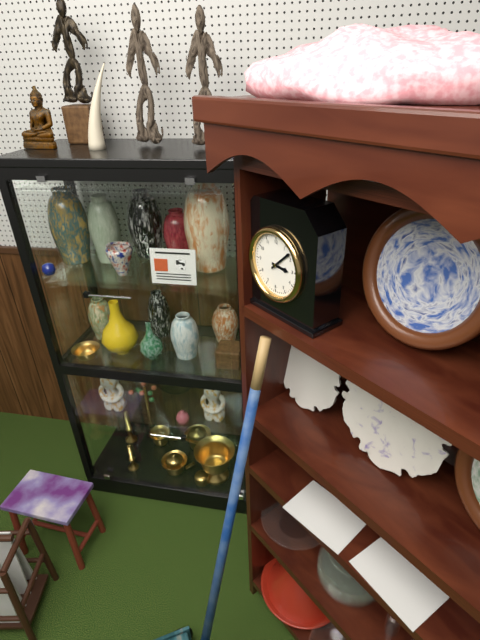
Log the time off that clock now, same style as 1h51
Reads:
3h08
